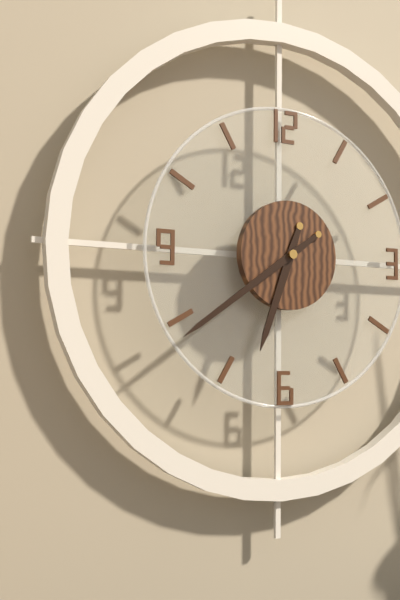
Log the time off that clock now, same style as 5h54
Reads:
6h39
